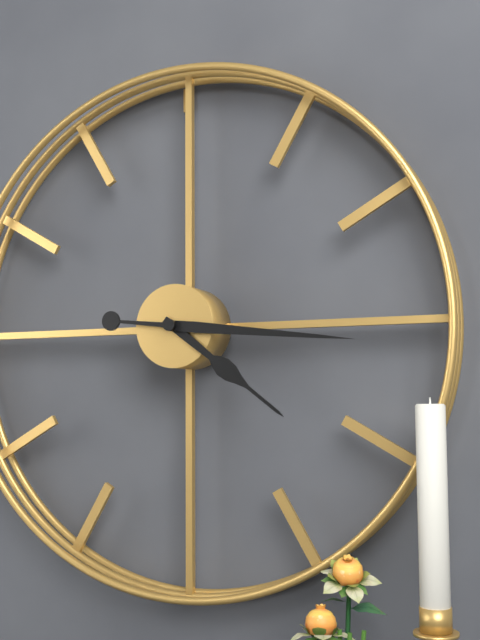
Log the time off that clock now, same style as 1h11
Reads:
4h16
